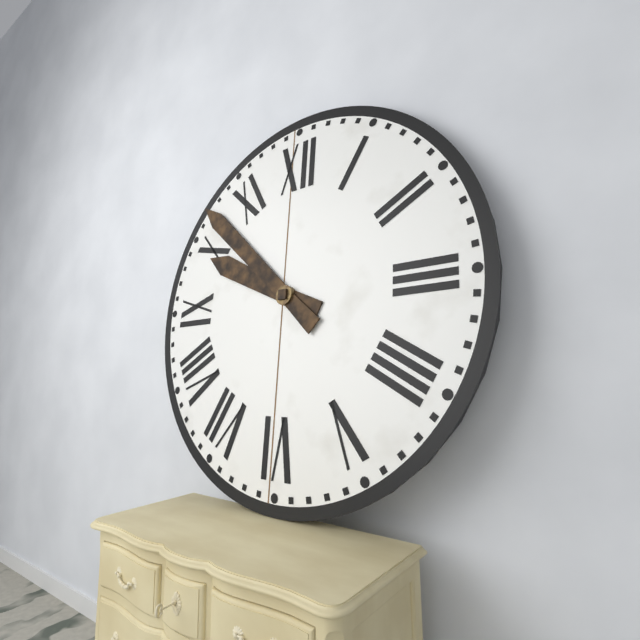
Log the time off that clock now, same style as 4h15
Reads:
9h52
